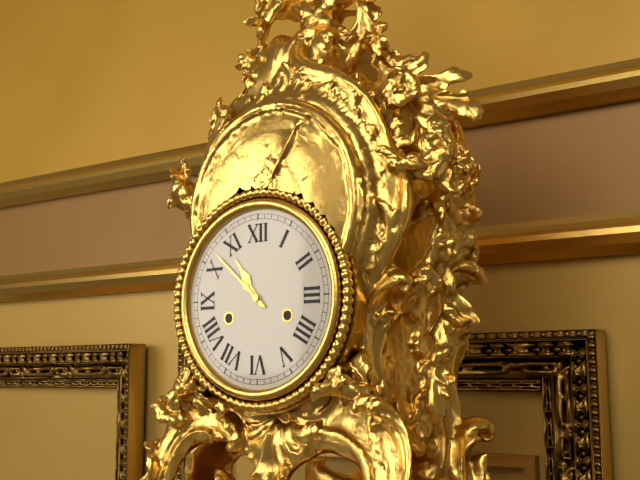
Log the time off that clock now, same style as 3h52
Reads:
10h52
